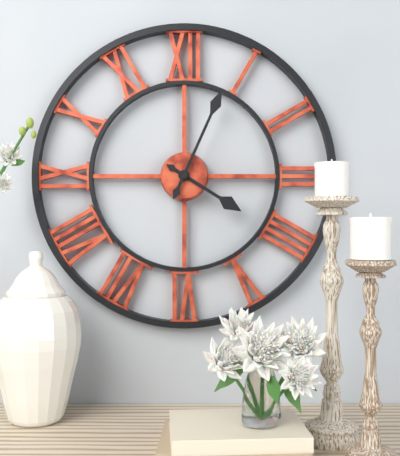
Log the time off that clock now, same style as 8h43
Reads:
4h04
